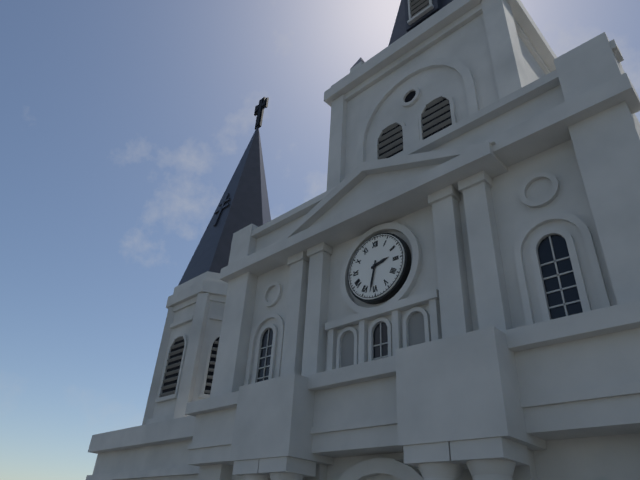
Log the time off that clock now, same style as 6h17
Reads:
2h32
